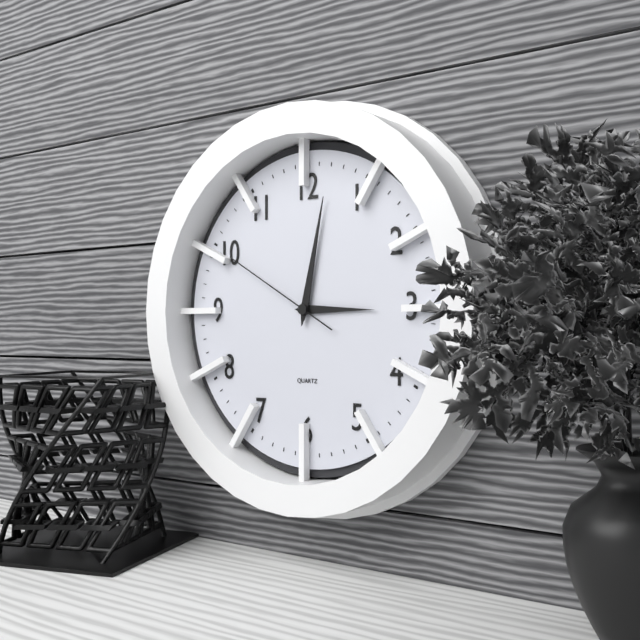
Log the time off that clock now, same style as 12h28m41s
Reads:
3h02m50s
